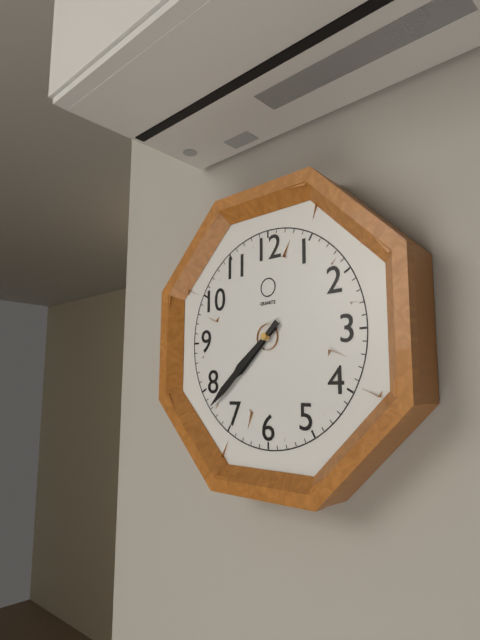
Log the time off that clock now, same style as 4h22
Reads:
7h38
